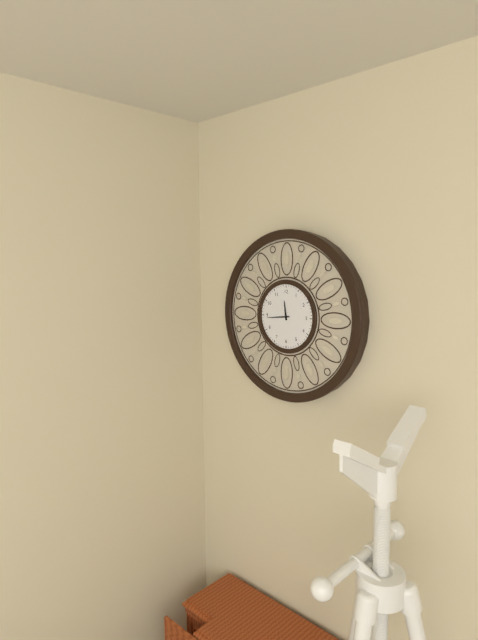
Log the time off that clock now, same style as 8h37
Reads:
11h44
